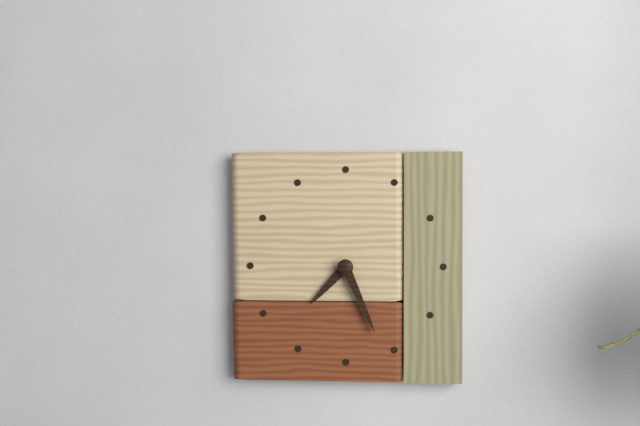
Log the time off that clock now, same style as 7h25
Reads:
7h26
